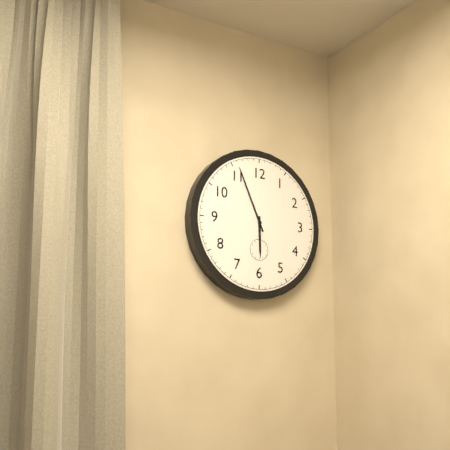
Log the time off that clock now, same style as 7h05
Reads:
5h56
